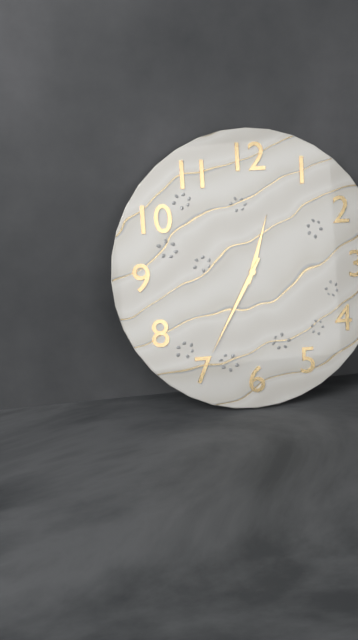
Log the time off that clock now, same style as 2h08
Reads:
12h35
